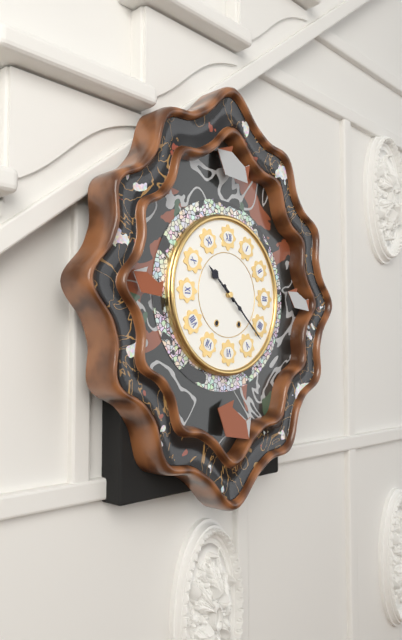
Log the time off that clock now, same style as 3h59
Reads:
10h22
